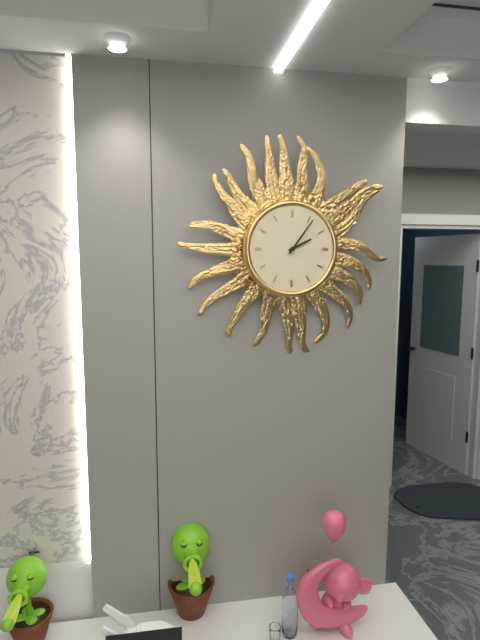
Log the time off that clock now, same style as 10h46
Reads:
2h06
